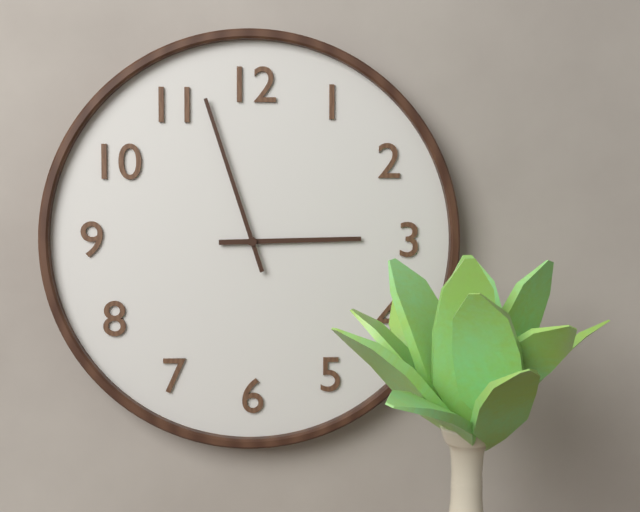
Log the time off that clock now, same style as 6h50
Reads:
2h57
